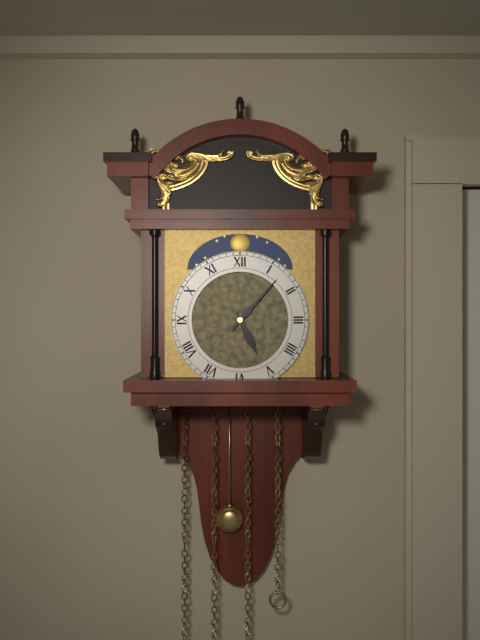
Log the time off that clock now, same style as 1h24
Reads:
5h07
